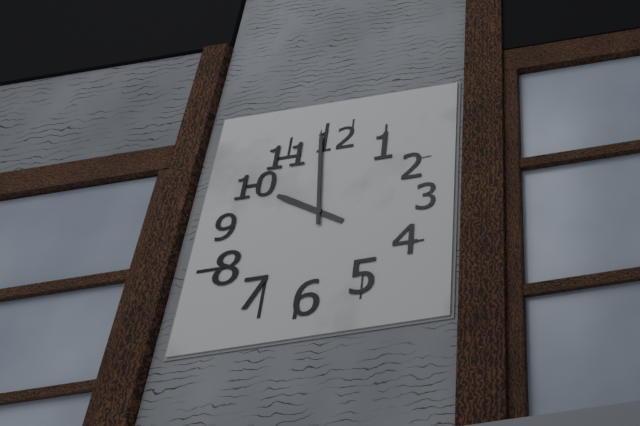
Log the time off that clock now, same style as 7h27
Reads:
9h59
